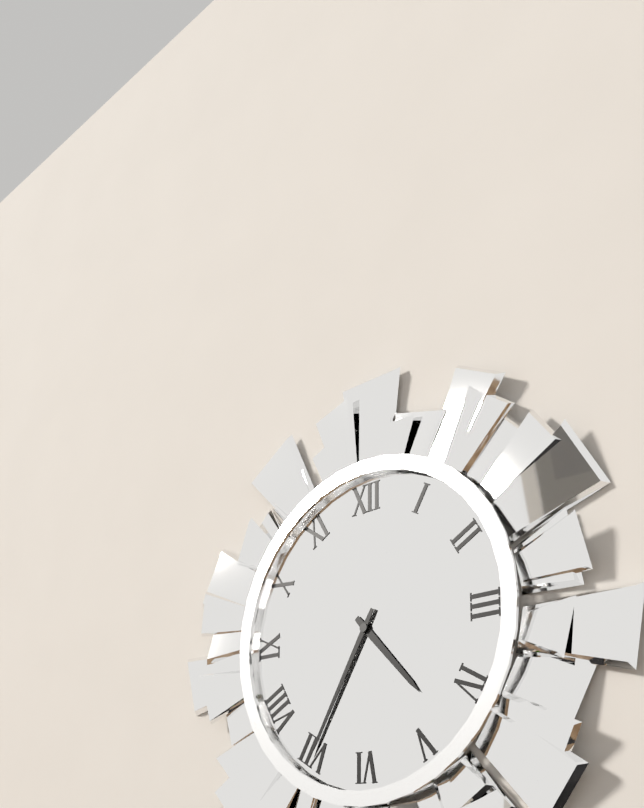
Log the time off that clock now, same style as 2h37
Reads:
4h35
